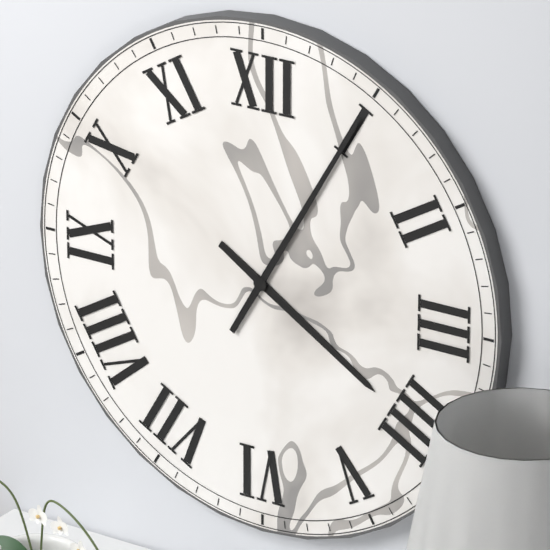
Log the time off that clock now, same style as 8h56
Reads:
4h05
